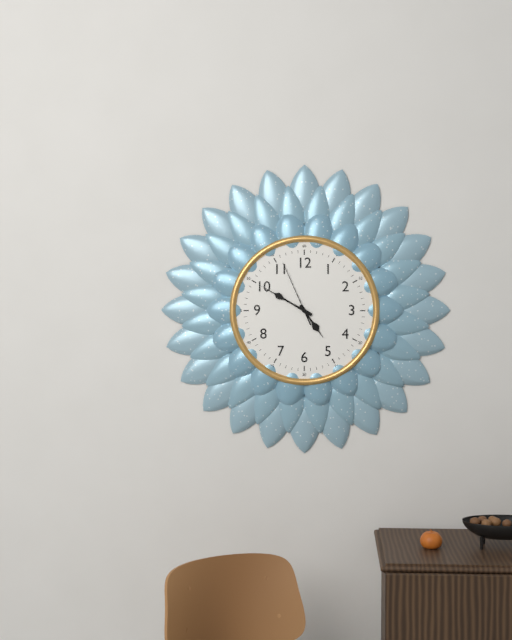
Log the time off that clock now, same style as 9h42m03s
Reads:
4h50m56s
